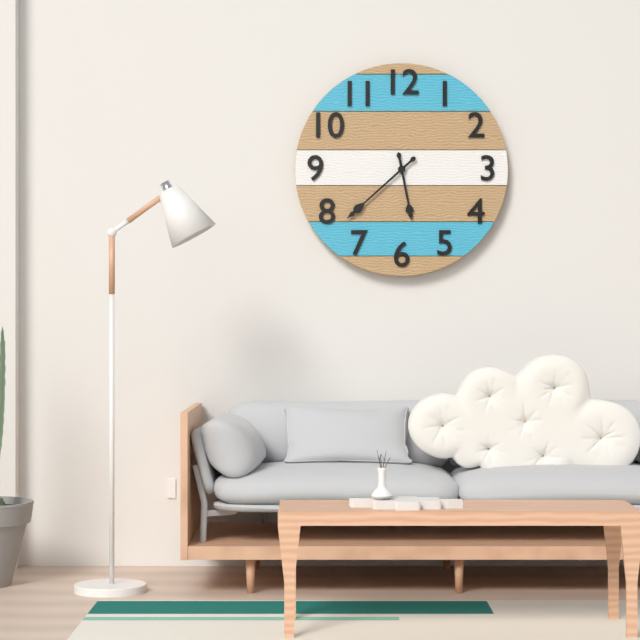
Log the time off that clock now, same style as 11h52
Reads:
5h38
